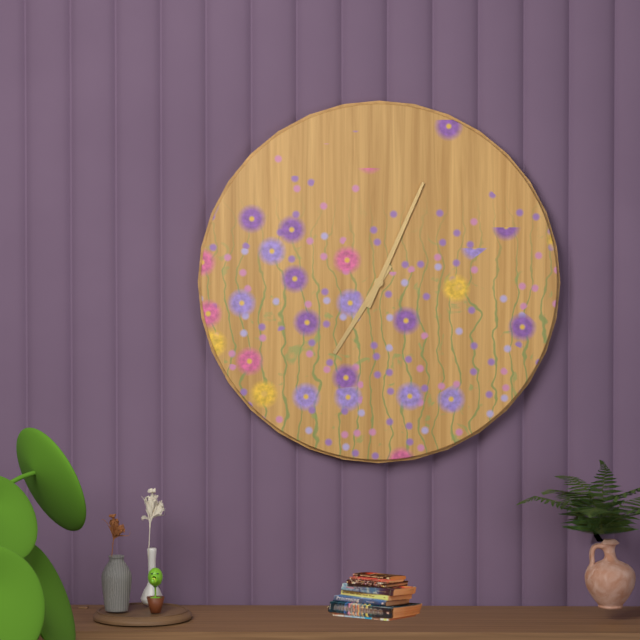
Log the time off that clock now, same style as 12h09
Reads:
7h04
